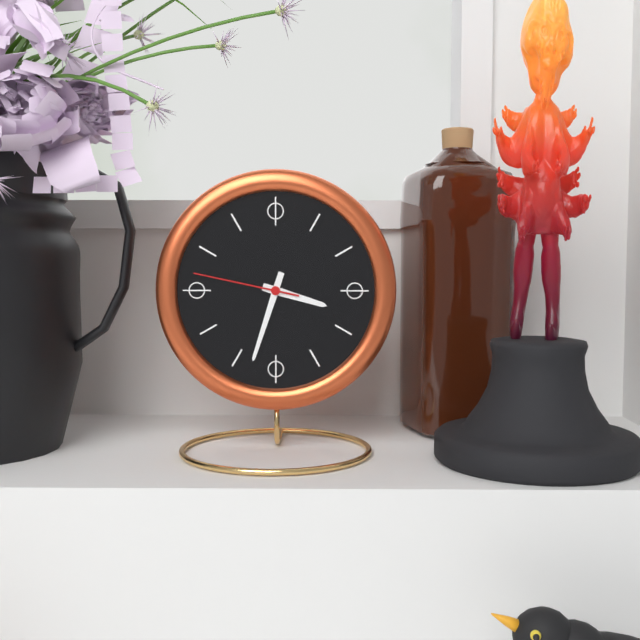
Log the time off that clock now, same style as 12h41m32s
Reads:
3h33m47s
